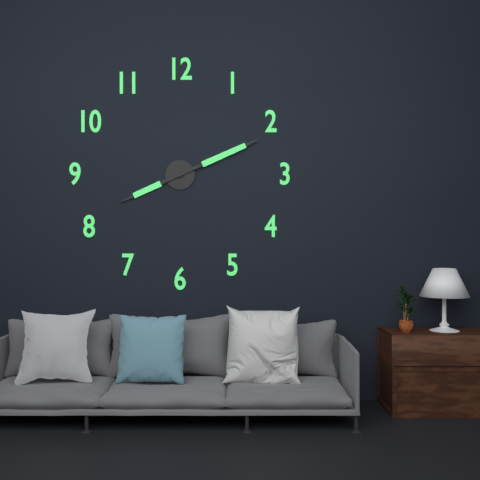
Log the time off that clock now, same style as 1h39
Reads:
8h11
